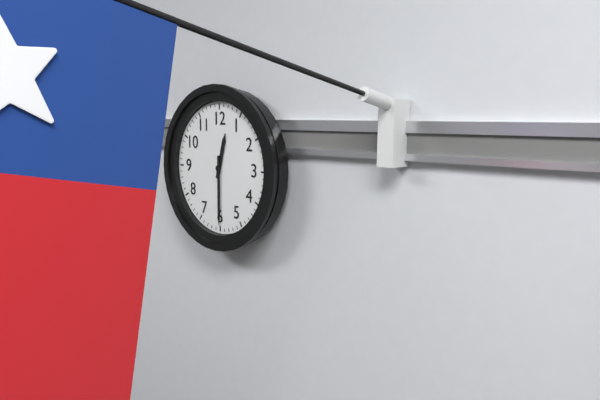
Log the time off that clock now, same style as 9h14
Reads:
12h30
